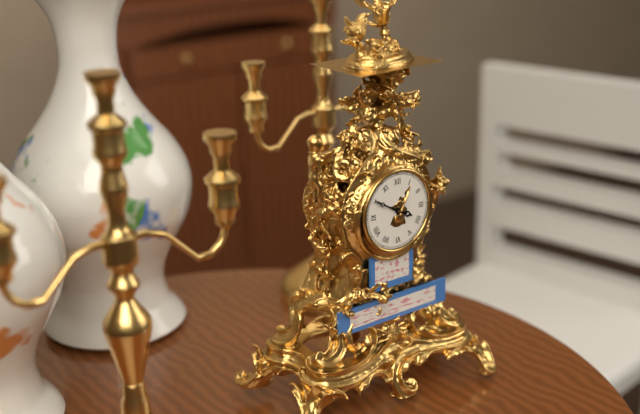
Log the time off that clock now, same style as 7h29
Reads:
3h50
